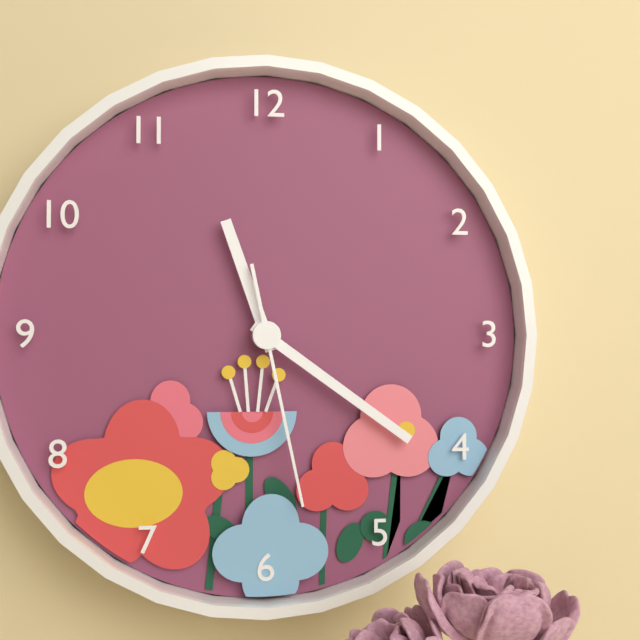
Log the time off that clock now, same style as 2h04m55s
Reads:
11h21m28s
